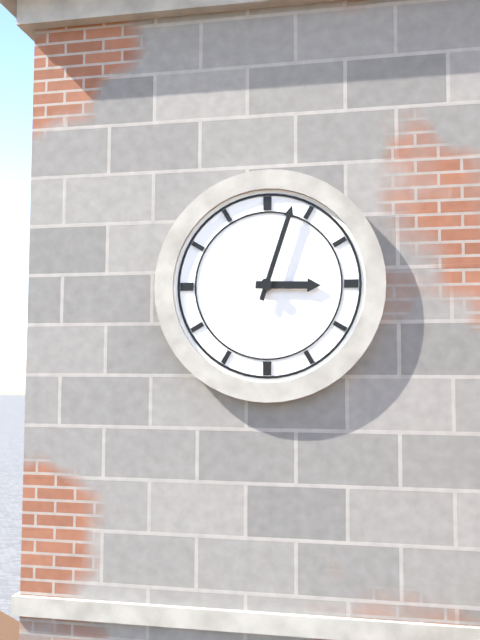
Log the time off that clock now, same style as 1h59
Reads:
3h03
